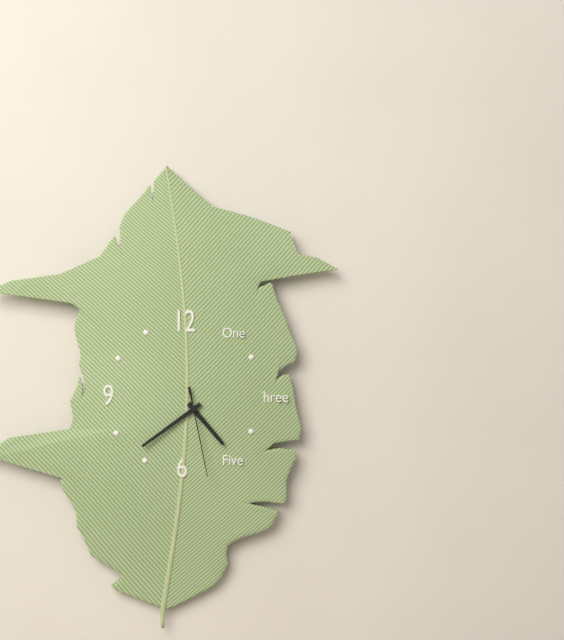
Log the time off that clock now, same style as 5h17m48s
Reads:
4h39m28s
